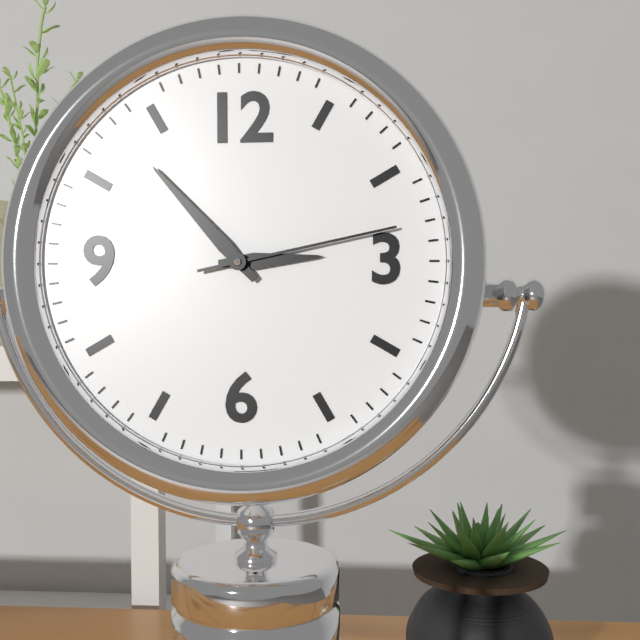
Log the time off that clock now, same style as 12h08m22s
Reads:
2h53m13s
